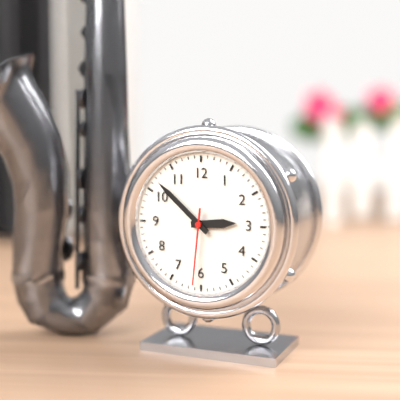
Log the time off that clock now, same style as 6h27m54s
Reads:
2h52m31s
